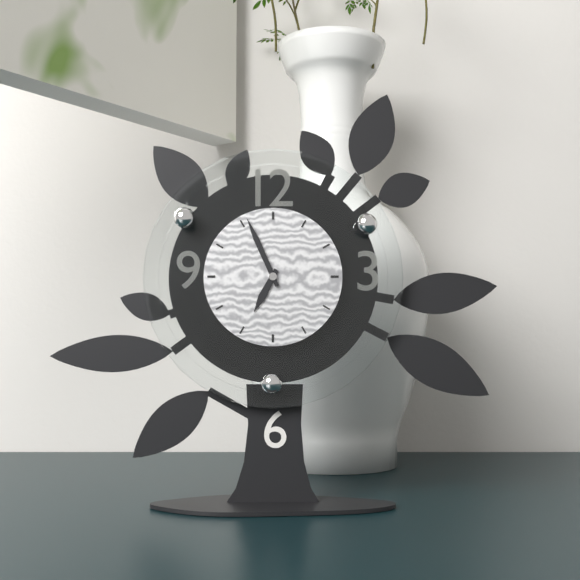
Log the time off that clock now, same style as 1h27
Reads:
6h56
